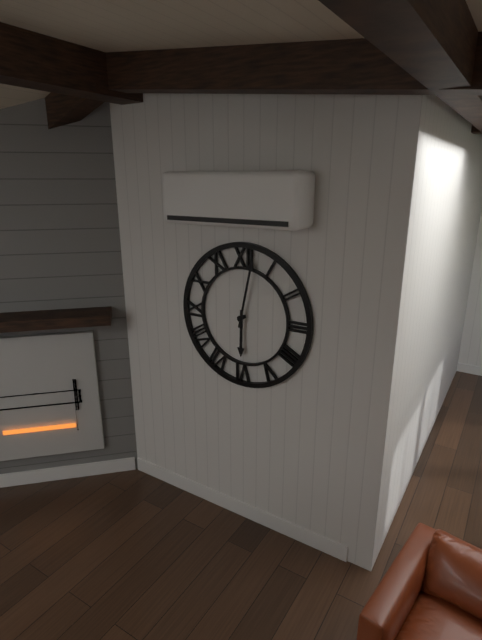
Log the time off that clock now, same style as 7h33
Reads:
6h02
